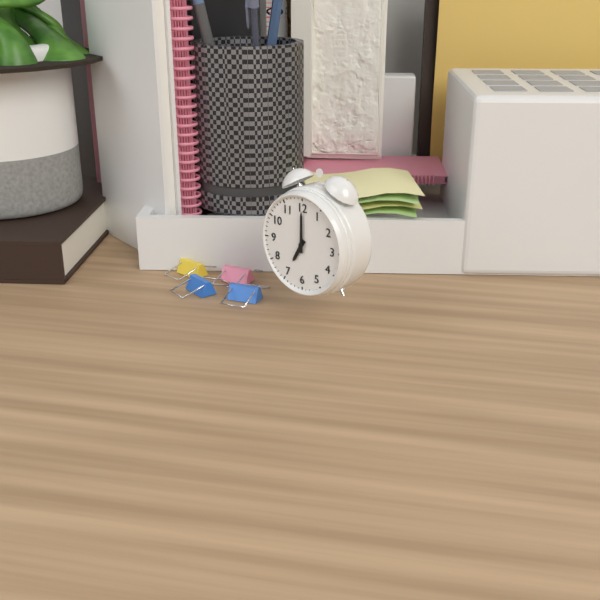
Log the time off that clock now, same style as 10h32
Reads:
7h00
